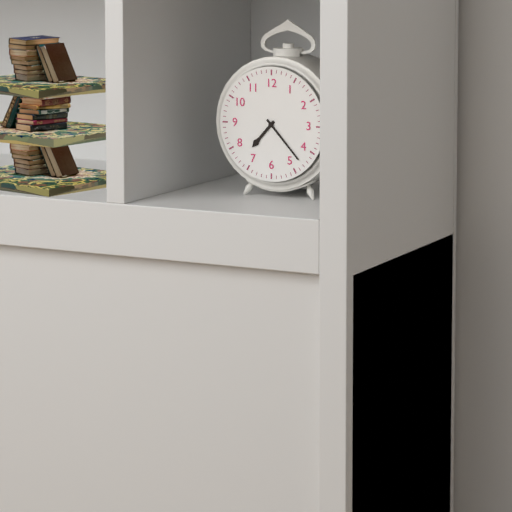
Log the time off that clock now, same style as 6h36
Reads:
7h23
